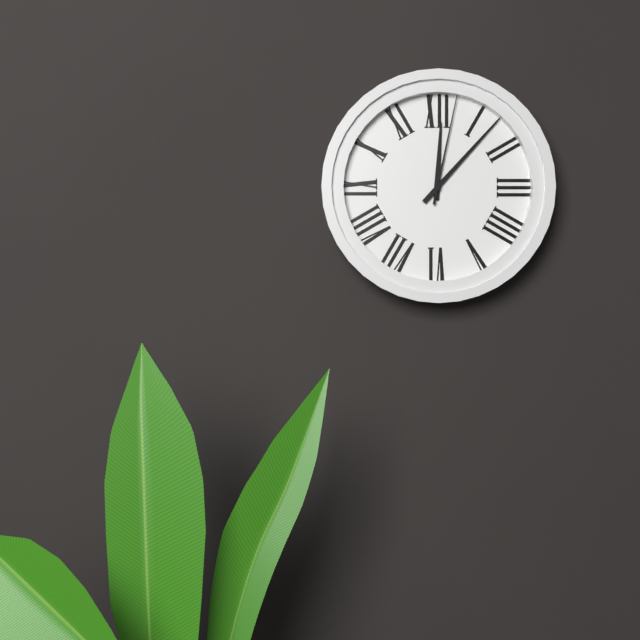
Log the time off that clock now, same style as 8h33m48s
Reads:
12h07m02s
